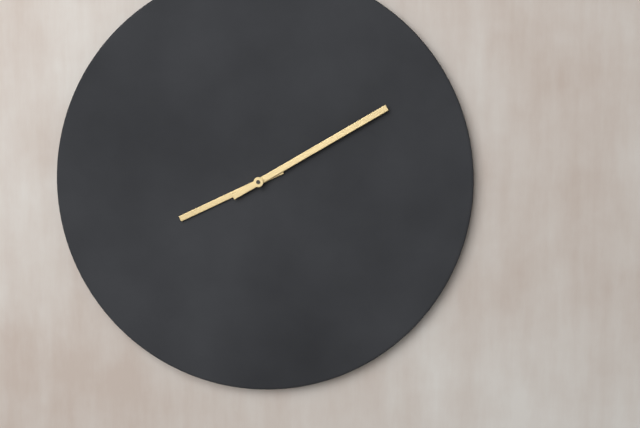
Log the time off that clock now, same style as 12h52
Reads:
8h10
